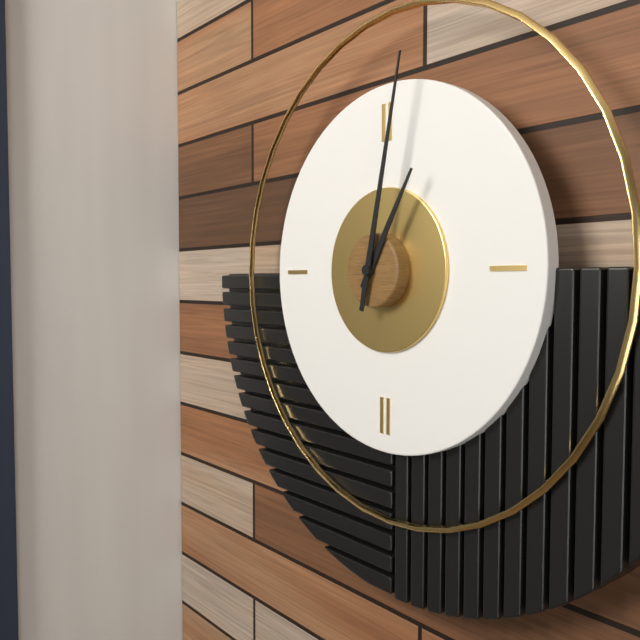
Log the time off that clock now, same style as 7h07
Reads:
1h02
